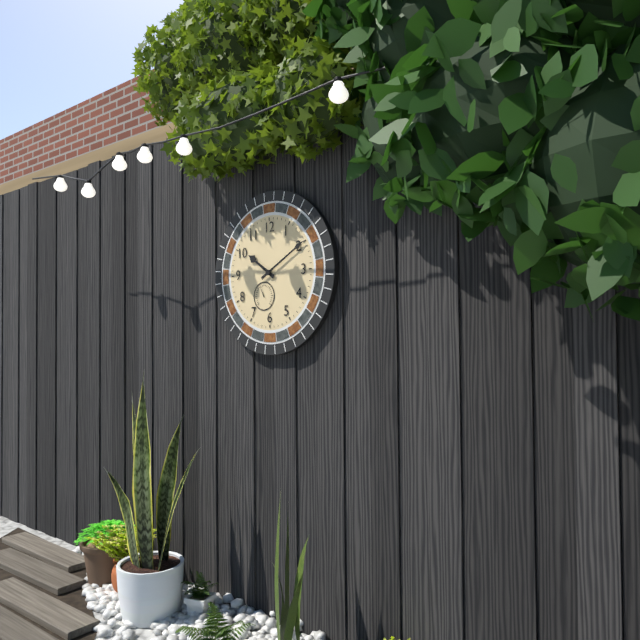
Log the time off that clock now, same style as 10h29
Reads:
10h10
